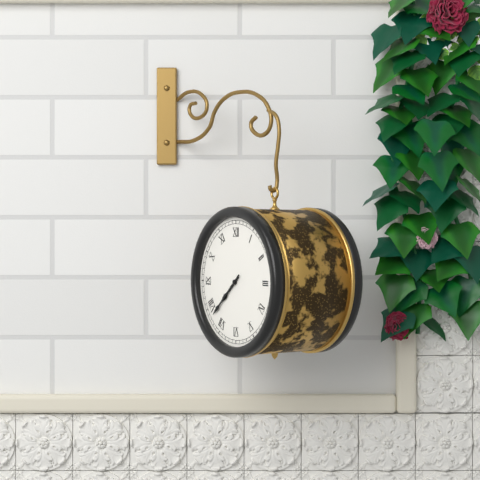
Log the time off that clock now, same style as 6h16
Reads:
7h38
